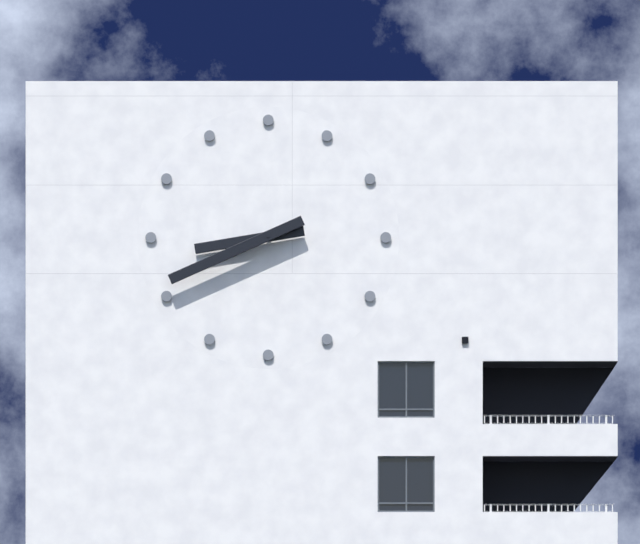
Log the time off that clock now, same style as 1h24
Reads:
8h41
